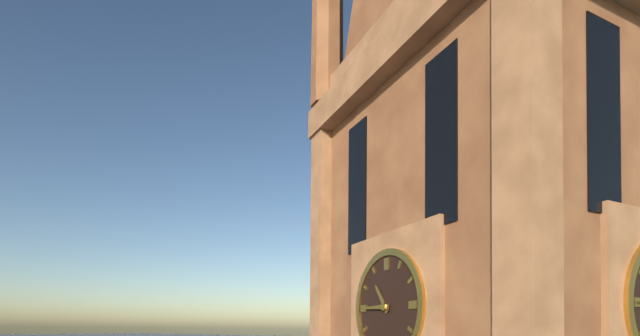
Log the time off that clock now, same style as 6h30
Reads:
10h45
